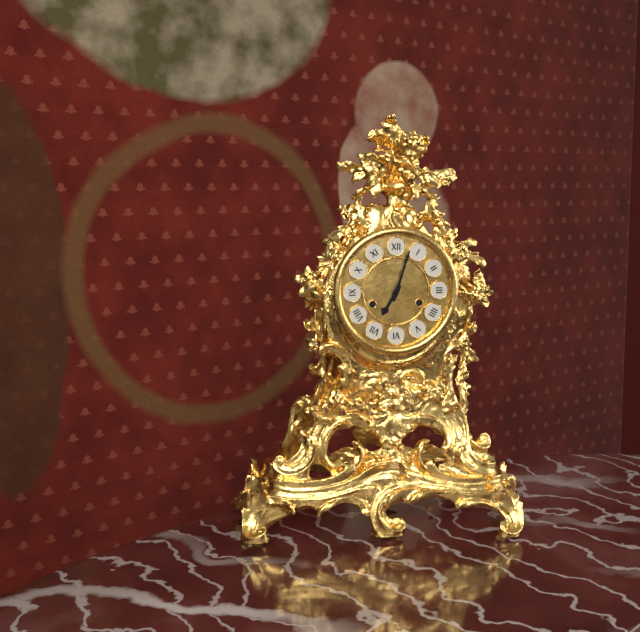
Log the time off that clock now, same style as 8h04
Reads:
7h03
